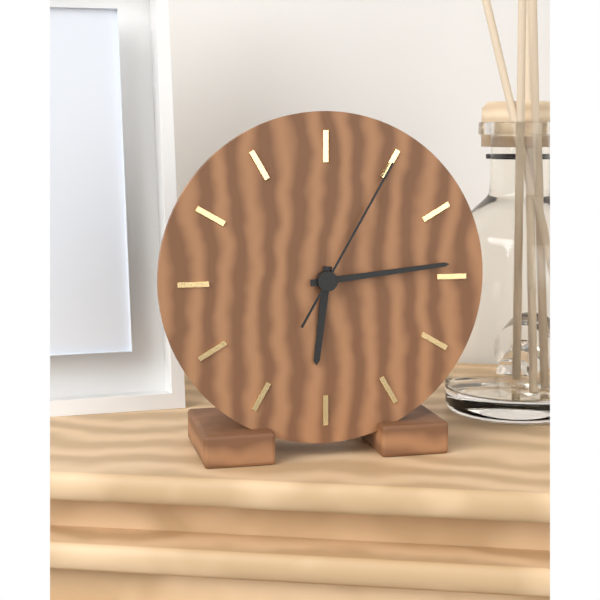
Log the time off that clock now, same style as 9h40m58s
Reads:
6h14m05s
